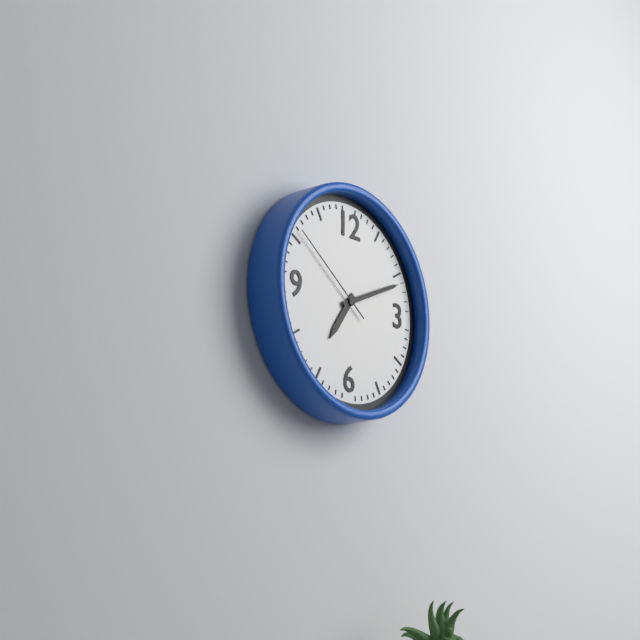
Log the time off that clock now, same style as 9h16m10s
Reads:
7h11m51s
